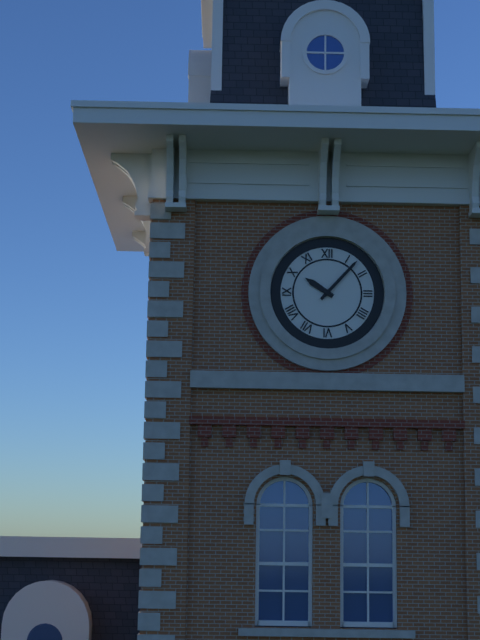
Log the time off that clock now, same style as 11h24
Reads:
10h07
